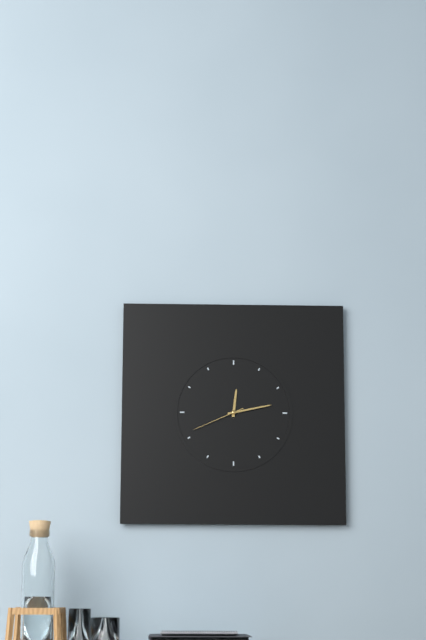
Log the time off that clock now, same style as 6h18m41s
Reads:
12h13m41s
